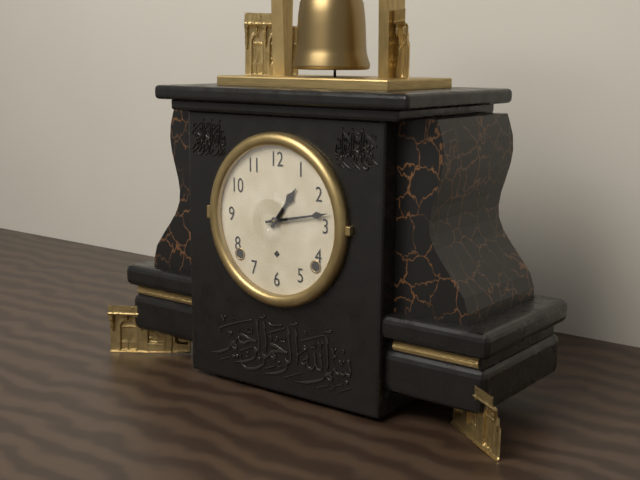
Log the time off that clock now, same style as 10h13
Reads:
1h13
